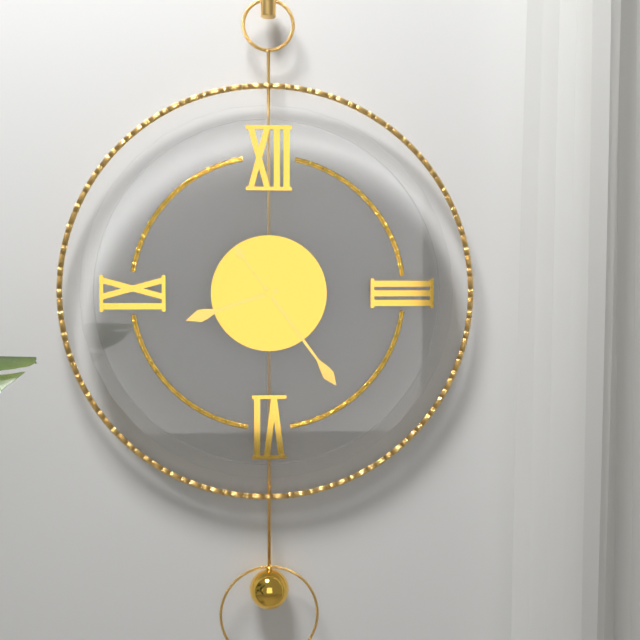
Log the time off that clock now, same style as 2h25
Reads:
8h24
